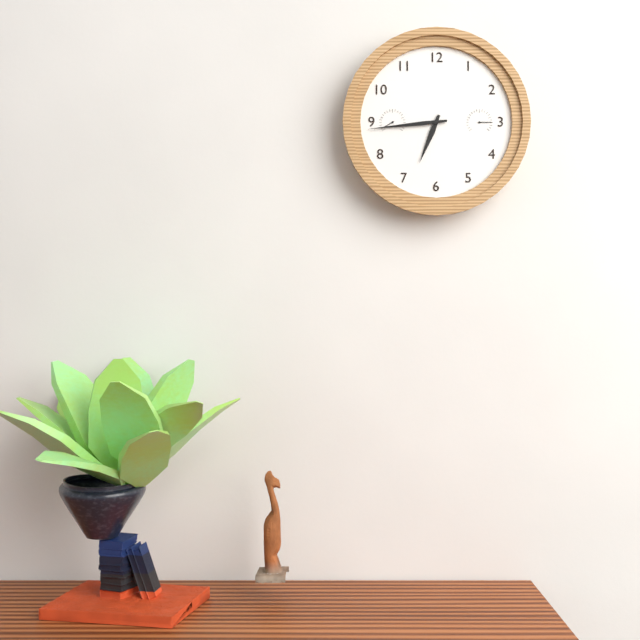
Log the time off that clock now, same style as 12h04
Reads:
6h44
